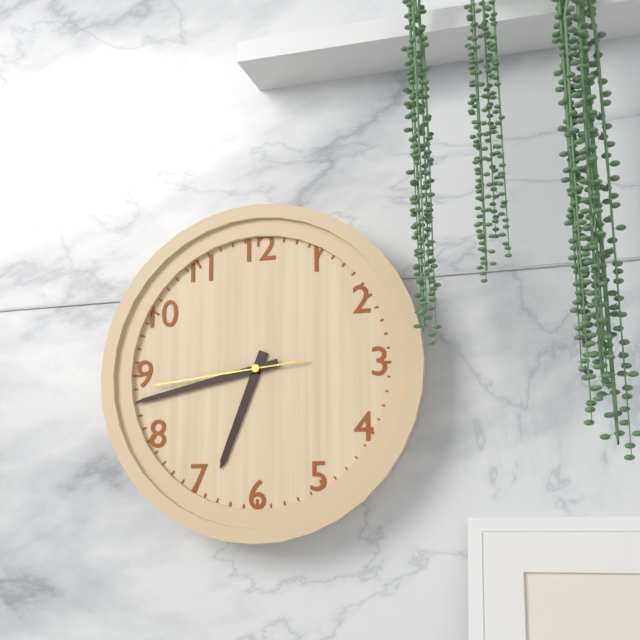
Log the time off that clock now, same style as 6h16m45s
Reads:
6h43m44s
